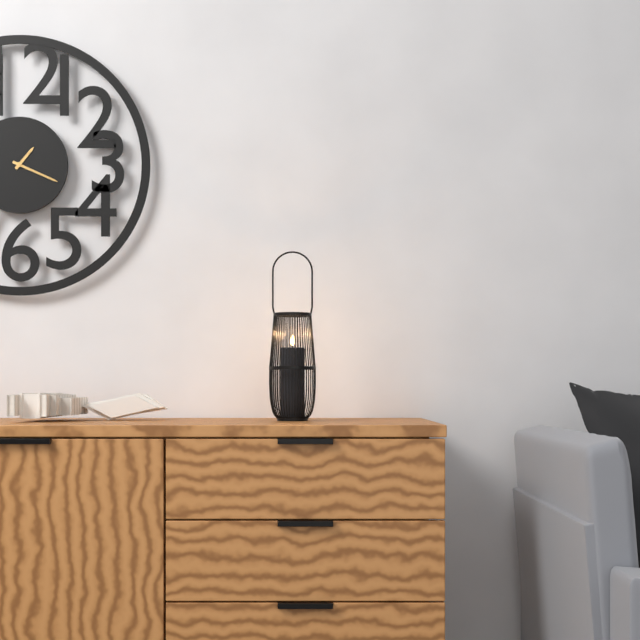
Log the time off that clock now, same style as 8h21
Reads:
1h19
